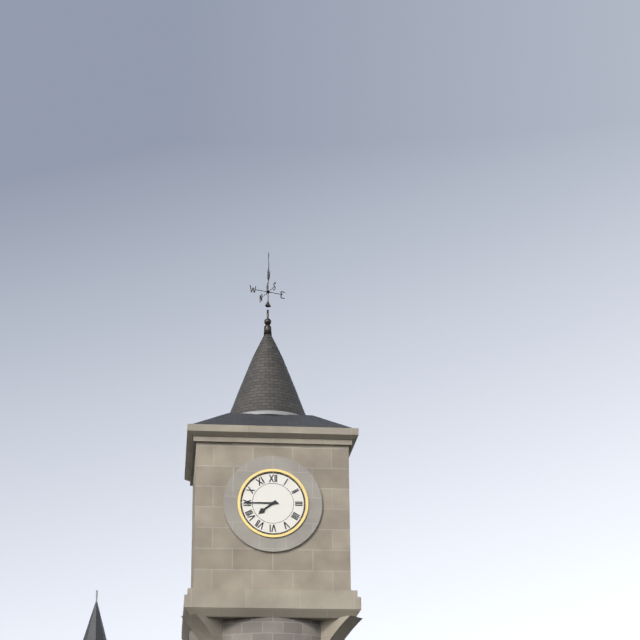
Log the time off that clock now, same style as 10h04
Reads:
7h45
